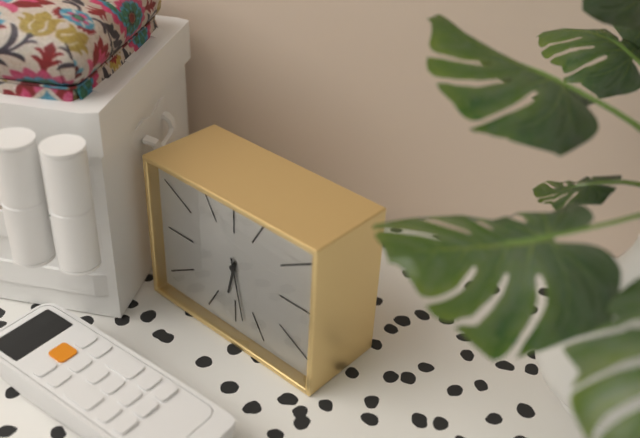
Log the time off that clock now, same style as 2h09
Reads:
6h28
